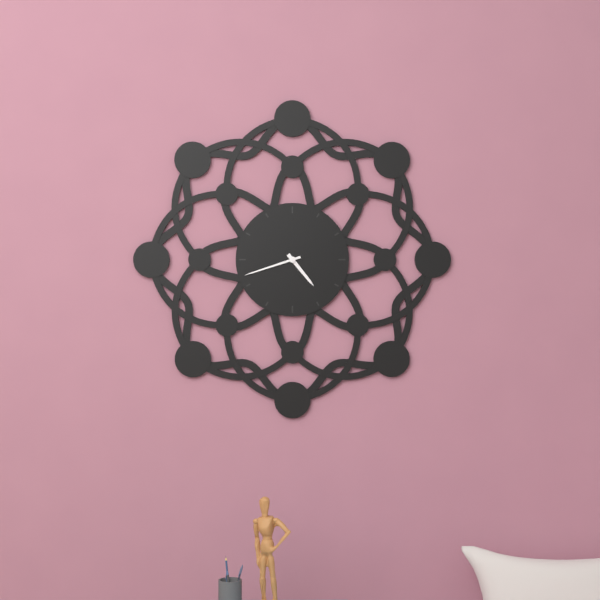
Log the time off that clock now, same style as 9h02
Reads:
4h42
